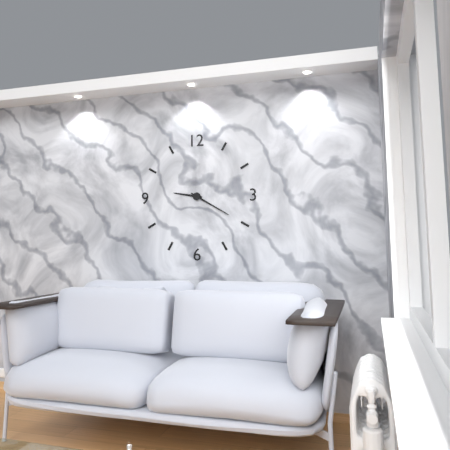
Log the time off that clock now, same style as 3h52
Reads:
9h20
